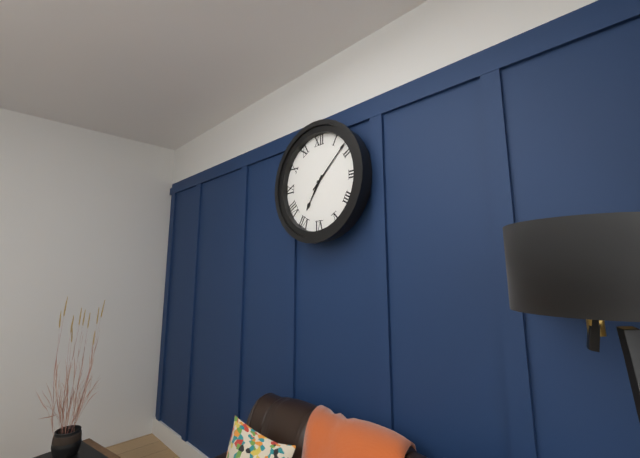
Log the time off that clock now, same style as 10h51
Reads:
7h08
